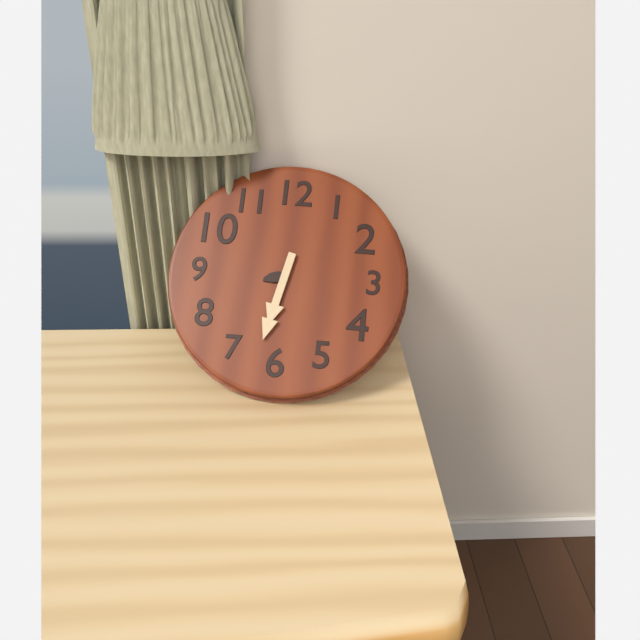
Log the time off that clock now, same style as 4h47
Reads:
8h32
